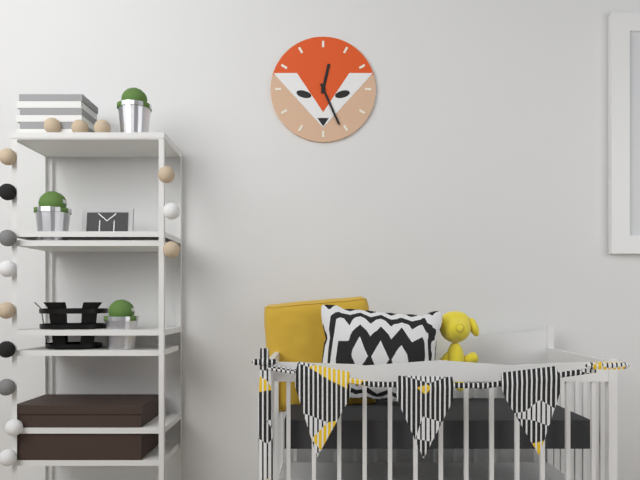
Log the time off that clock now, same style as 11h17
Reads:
12h26
